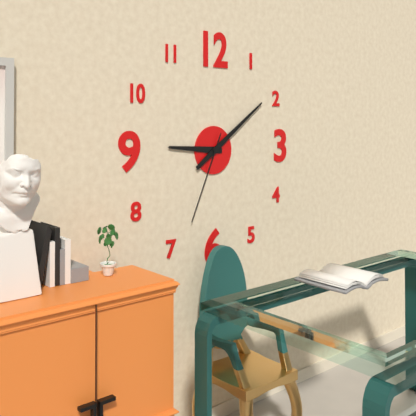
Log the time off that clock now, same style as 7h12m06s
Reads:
9h09m34s
